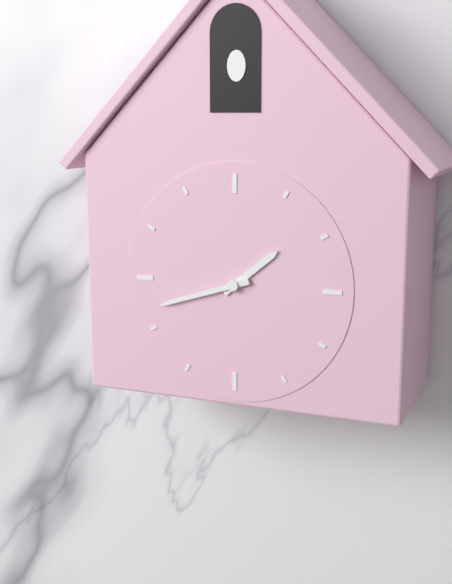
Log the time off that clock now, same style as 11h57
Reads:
1h42
